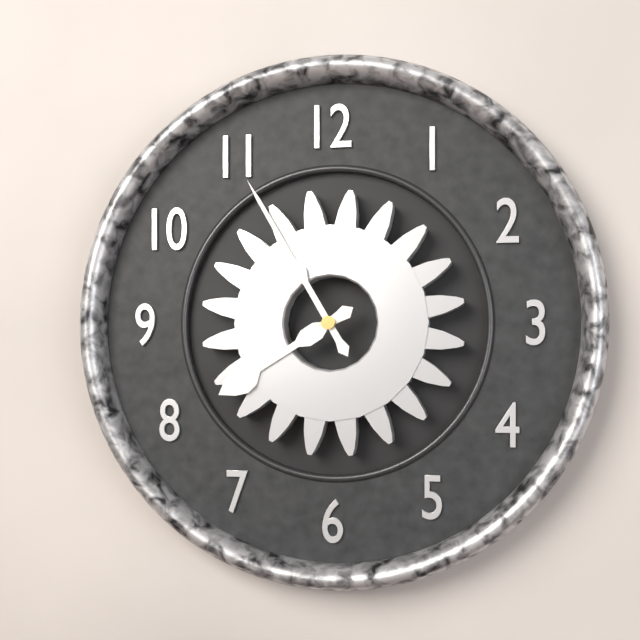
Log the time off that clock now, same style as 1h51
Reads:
7h55
